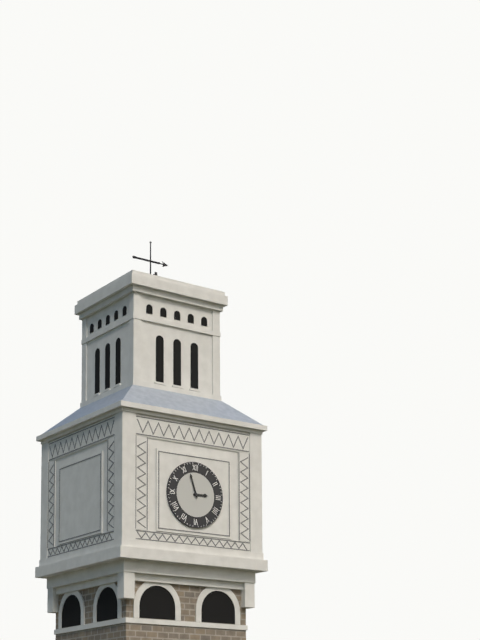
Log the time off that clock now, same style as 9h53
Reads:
2h57
